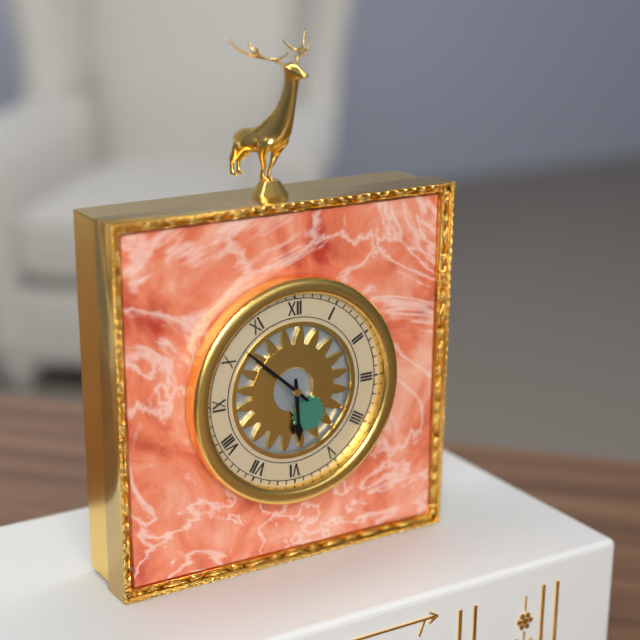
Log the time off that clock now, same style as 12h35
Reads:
5h52
